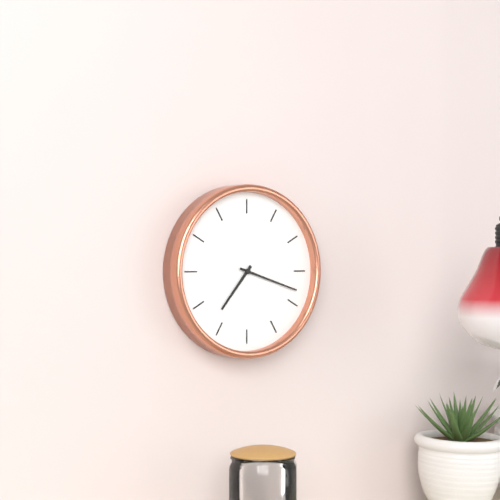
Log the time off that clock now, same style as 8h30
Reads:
7h18
